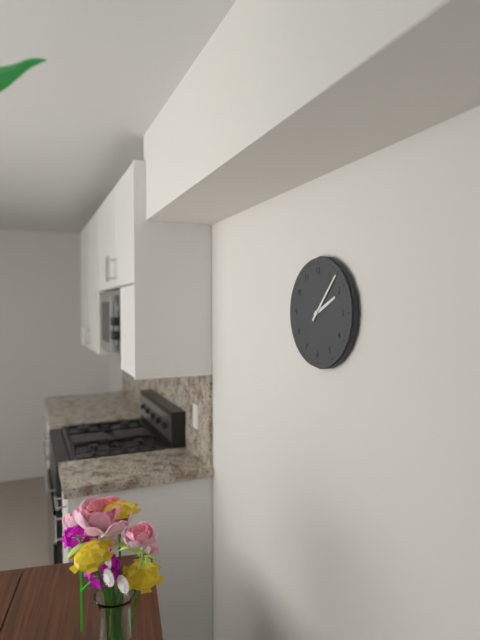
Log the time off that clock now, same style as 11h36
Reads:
2h07
